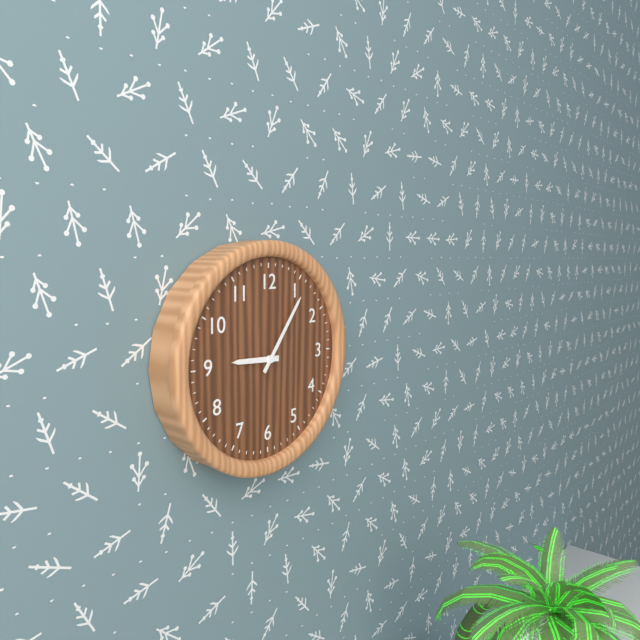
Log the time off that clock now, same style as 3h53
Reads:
9h06
